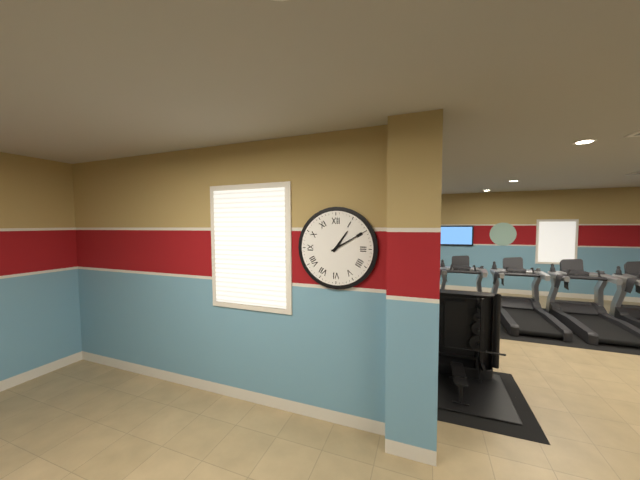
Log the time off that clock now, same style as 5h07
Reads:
1h10
